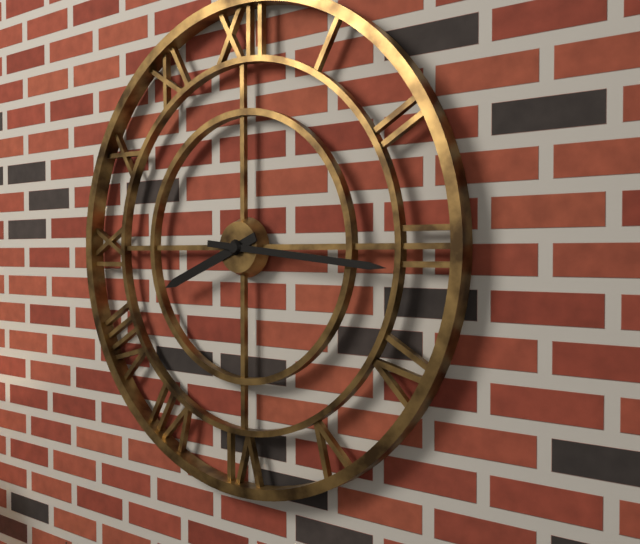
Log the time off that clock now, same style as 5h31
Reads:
8h16
